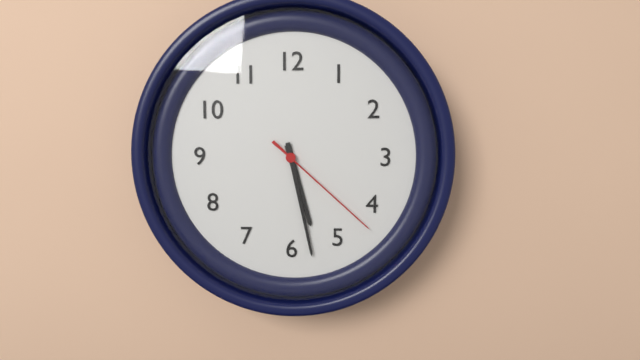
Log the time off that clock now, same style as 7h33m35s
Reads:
5h28m22s
